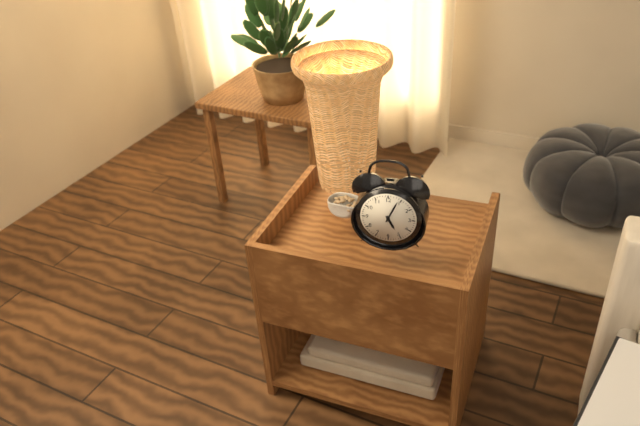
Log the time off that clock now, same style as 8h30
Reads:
5h04
